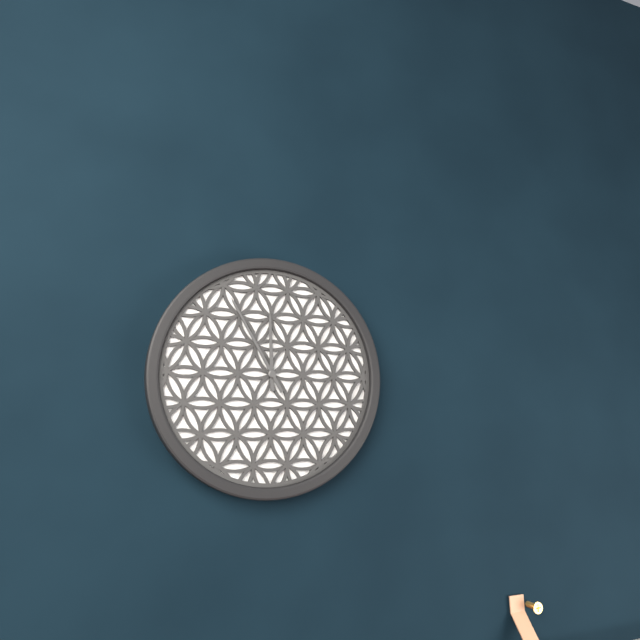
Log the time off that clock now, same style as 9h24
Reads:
11h55
